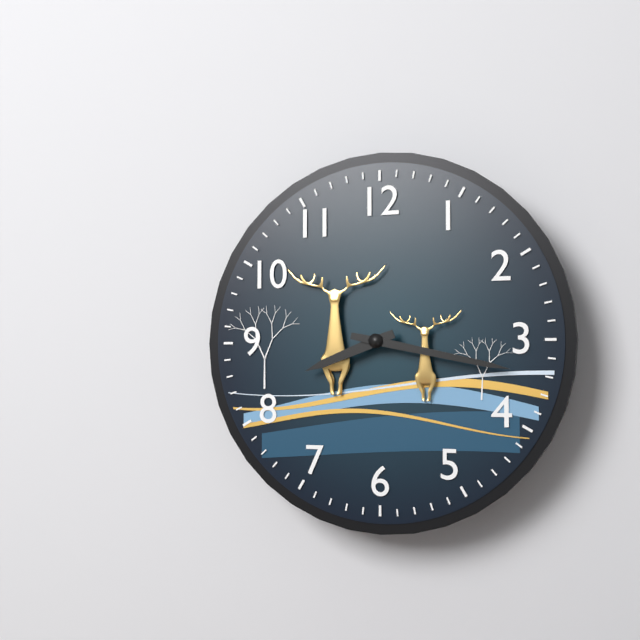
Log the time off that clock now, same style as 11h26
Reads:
8h17
